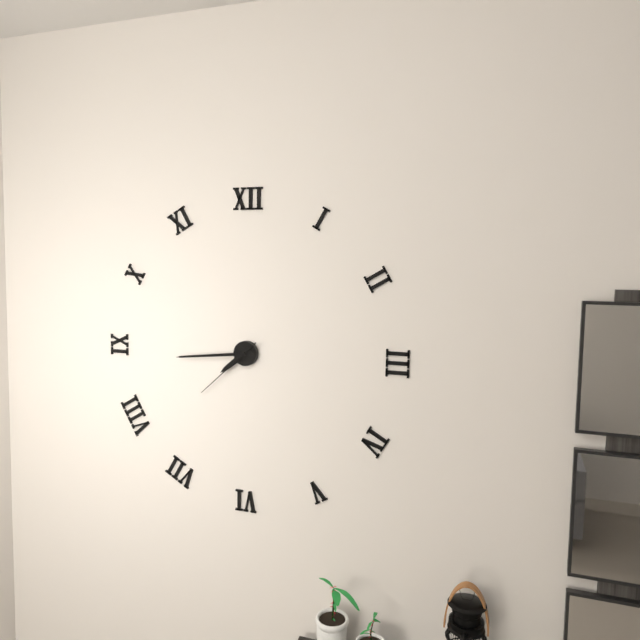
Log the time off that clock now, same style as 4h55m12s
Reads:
7h44m38s
